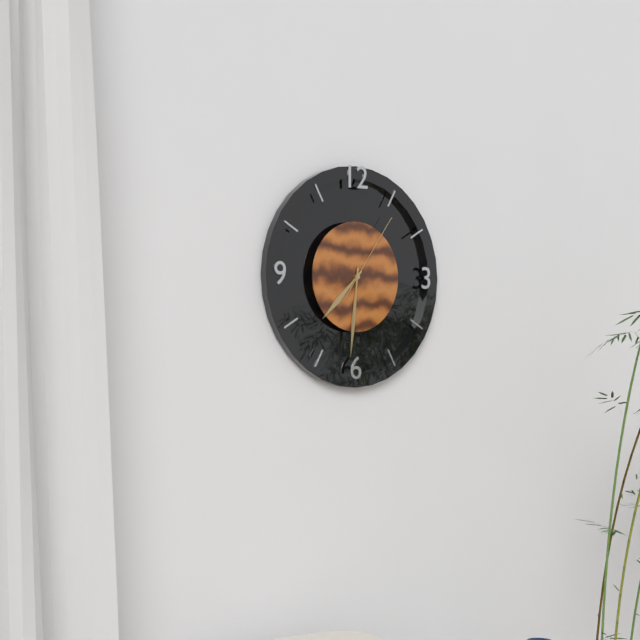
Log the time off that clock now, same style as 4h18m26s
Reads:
7h31m06s
